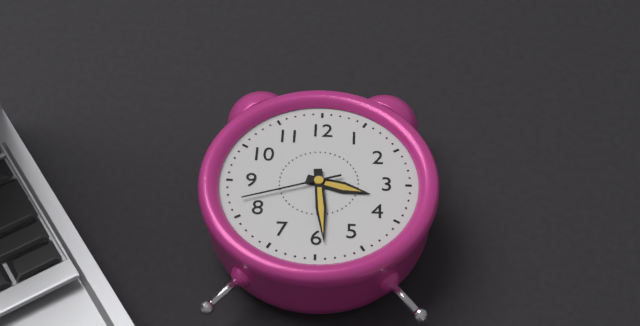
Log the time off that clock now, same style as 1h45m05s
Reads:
3h29m42s
